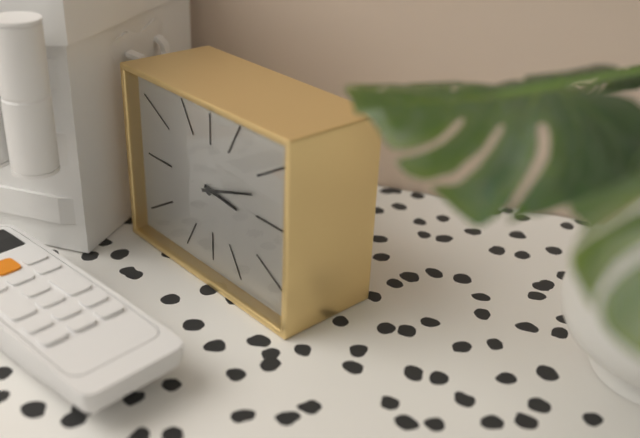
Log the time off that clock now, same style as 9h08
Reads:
3h12
